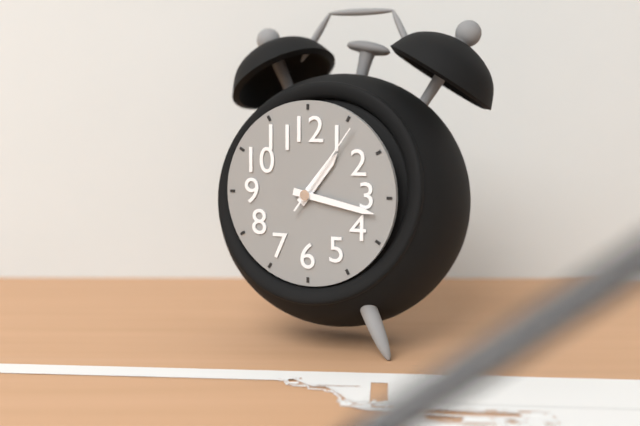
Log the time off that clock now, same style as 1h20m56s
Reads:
1h17m06s
